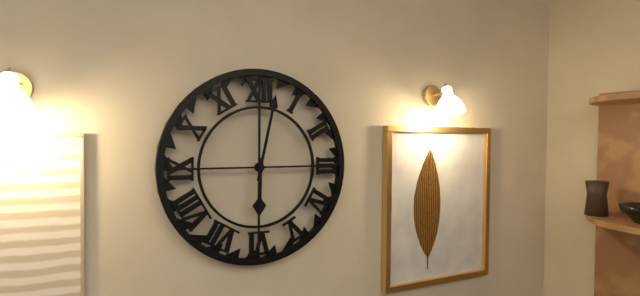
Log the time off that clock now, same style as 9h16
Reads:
6h02
